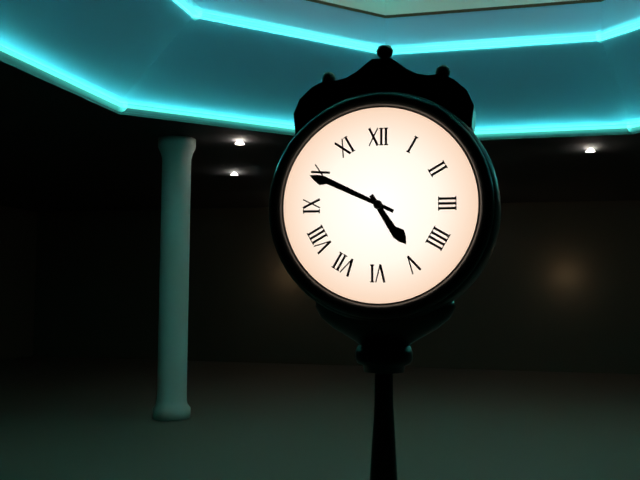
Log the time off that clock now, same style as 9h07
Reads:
4h49
